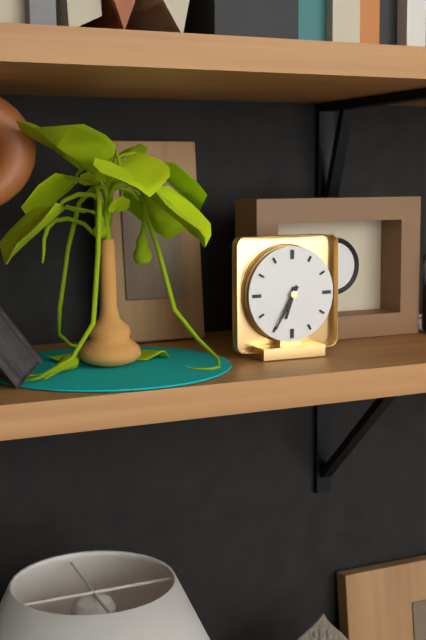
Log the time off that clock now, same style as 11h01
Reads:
6h35
